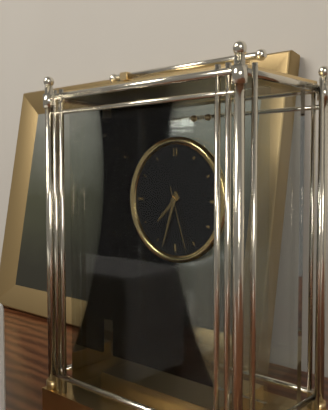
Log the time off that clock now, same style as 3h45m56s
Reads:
7h33m27s
